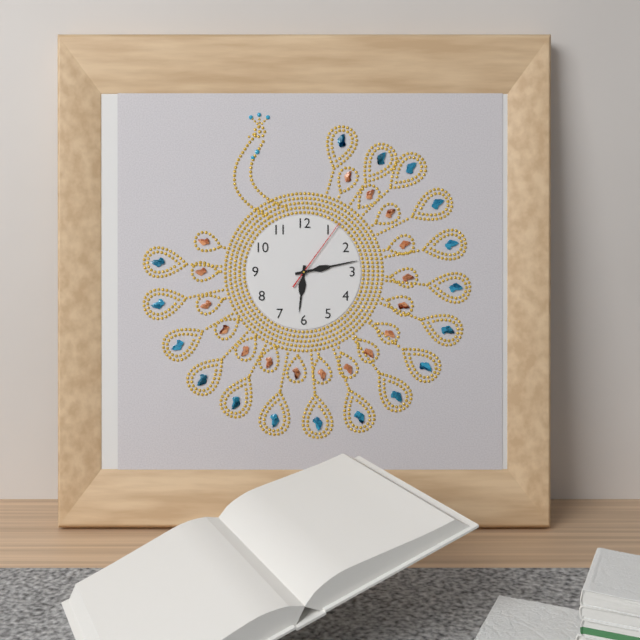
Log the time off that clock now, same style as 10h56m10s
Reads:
6h13m06s
